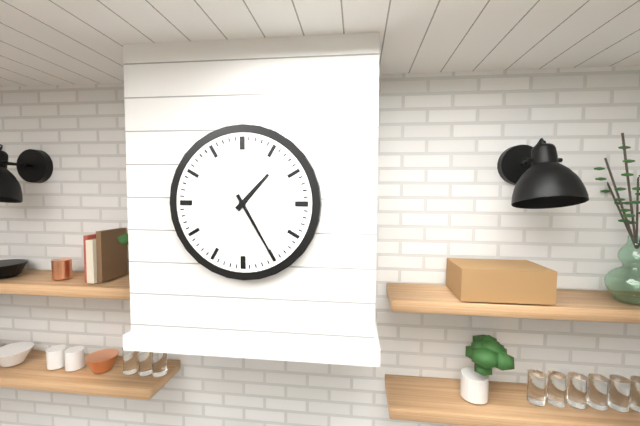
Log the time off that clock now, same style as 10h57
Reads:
1h25
